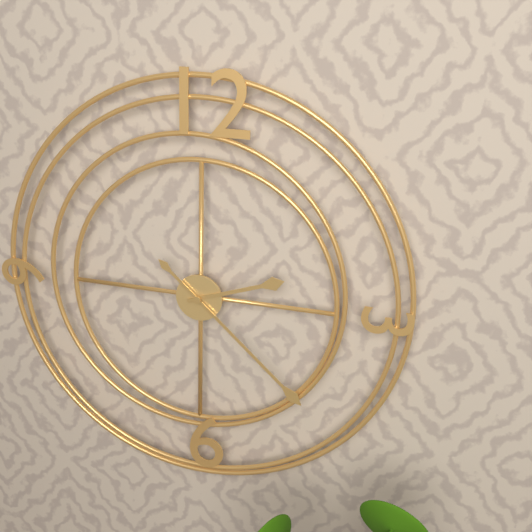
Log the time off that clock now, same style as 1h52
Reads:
2h22
